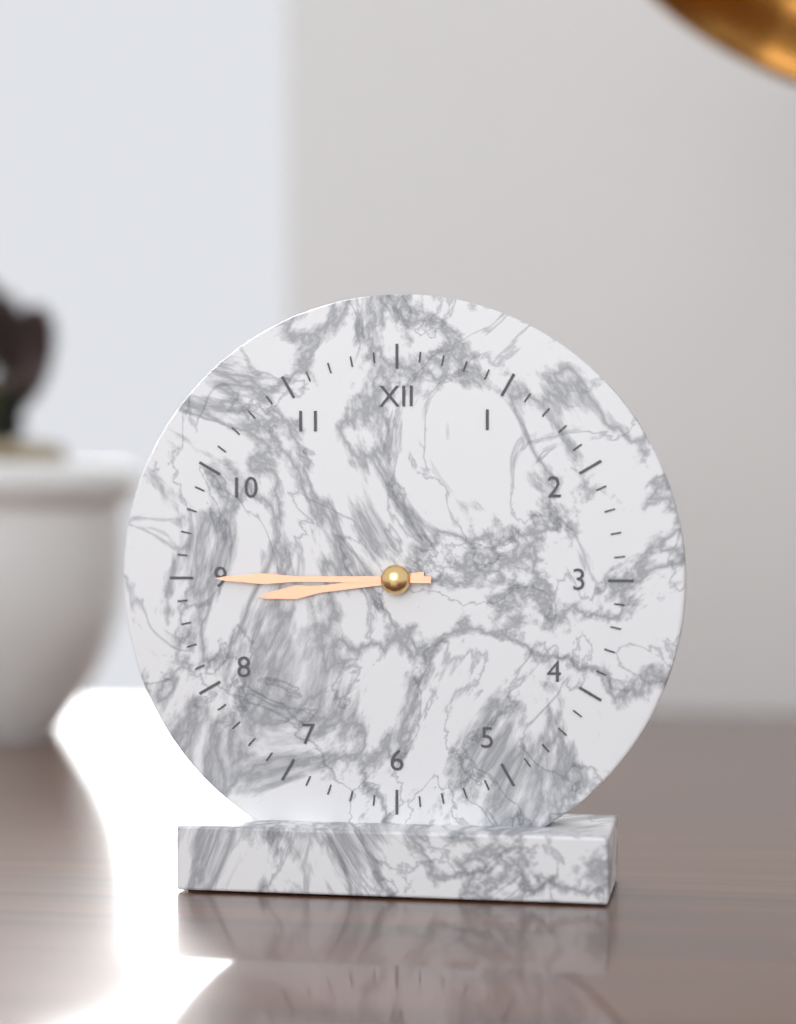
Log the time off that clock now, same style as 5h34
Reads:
8h45
